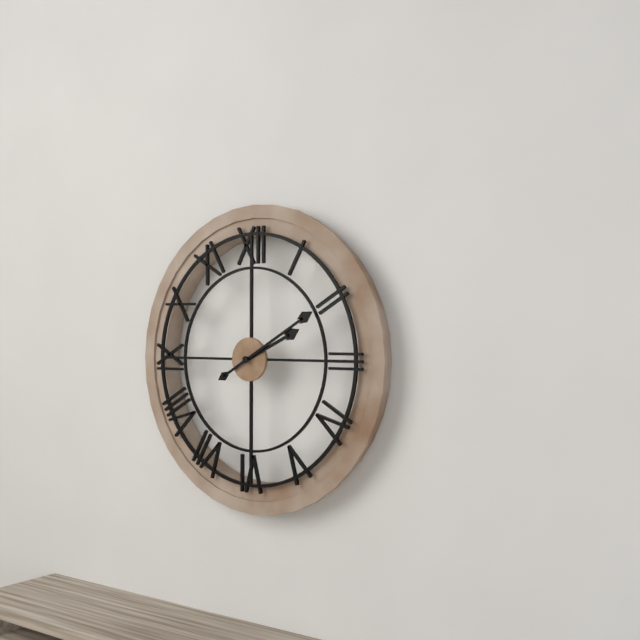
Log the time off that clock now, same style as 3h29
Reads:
2h10
